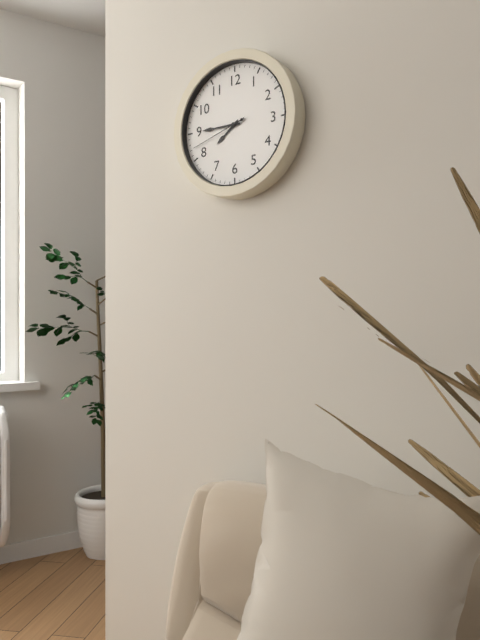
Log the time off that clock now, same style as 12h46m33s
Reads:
7h45m42s
